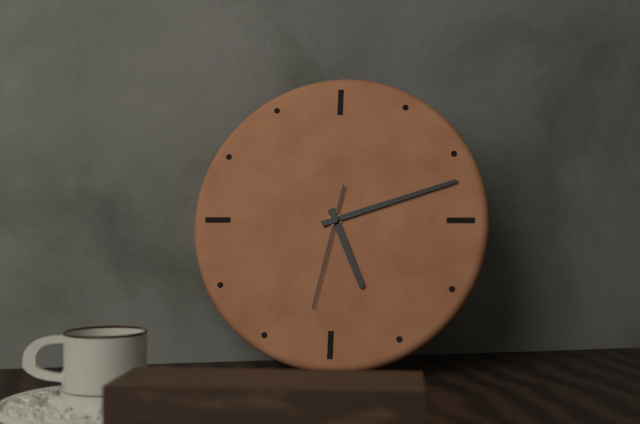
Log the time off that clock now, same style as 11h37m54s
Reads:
5h12m32s
